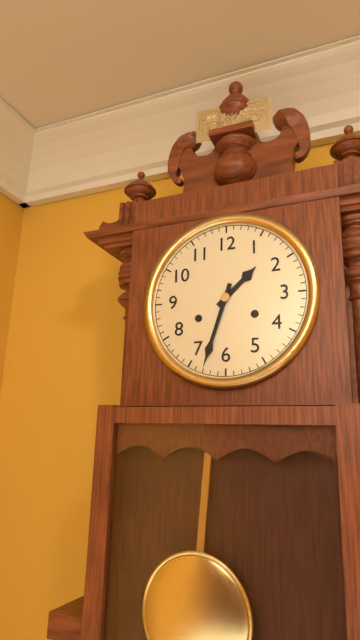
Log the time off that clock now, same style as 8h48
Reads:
1h33
